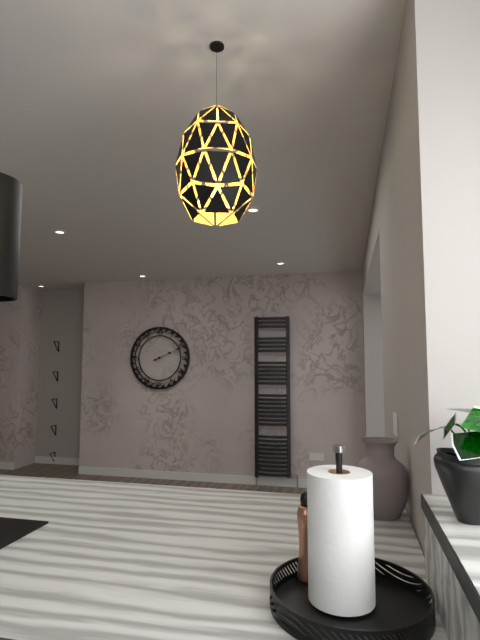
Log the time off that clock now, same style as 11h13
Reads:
2h11
